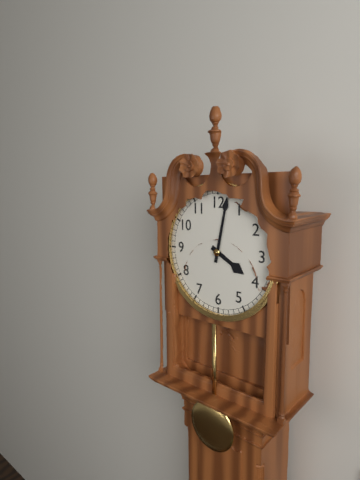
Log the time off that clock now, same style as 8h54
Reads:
4h02
